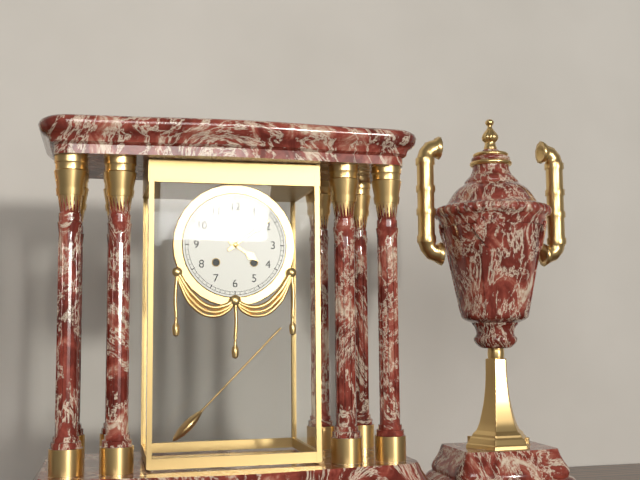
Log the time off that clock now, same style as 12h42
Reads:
4h09
